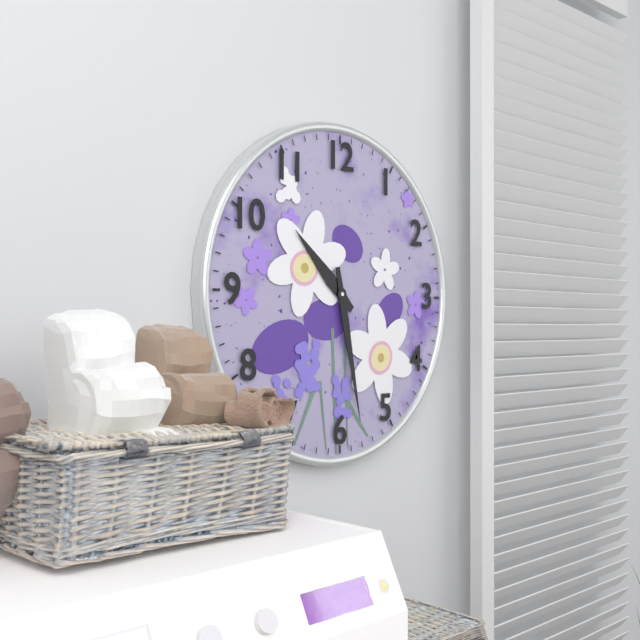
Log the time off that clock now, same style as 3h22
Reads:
10h28
